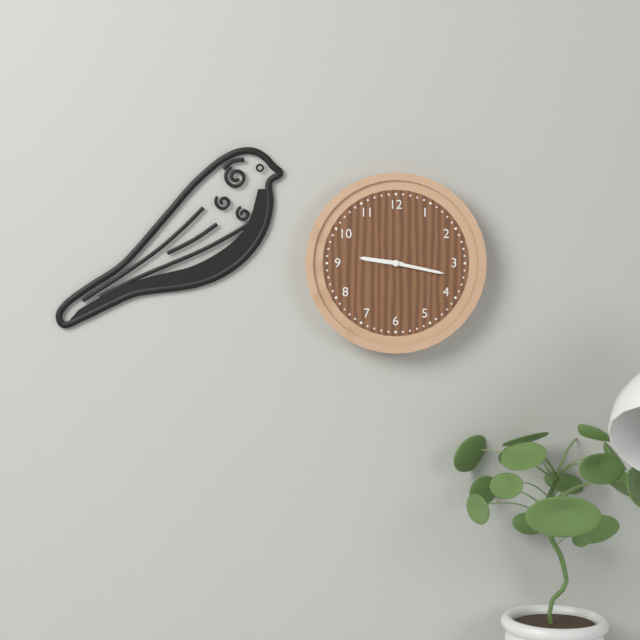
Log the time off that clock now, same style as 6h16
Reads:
9h17
